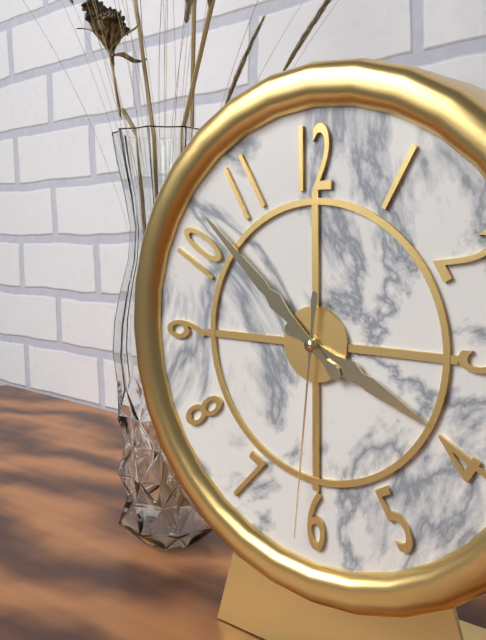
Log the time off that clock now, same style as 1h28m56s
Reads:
3h52m31s
